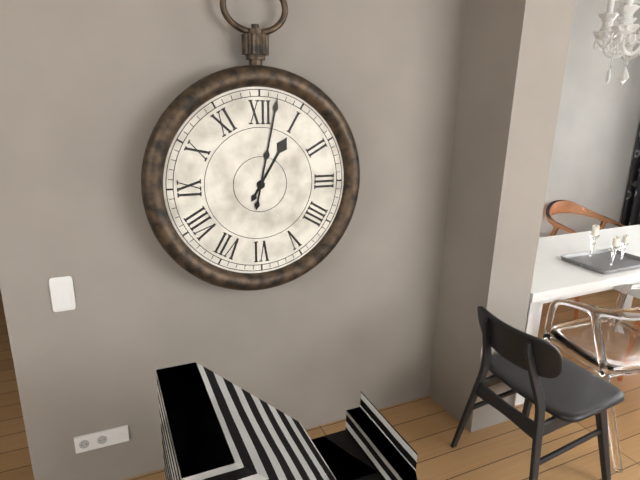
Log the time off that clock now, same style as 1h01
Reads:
1h02
